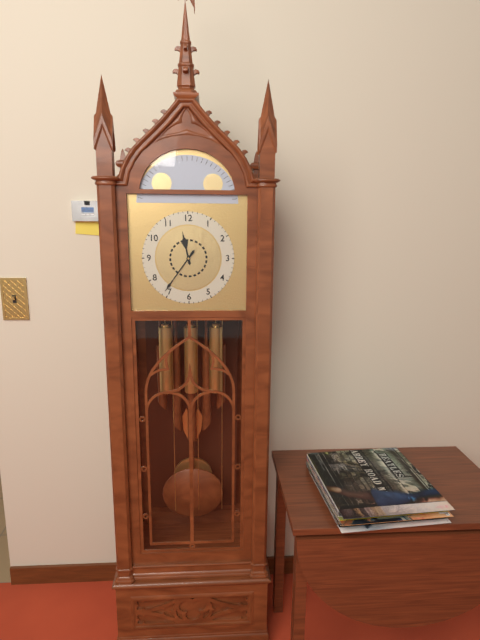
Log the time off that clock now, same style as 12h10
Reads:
11h36
